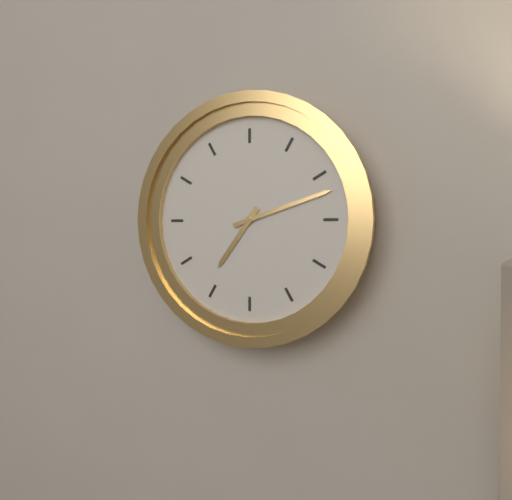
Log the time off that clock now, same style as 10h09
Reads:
7h12
